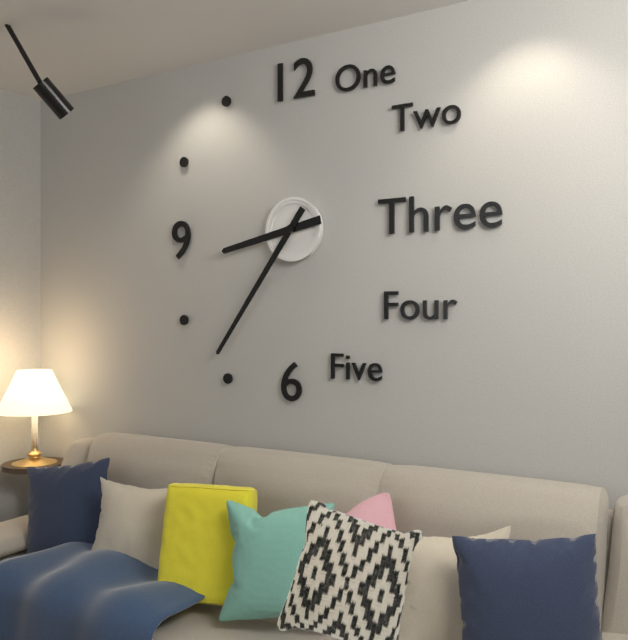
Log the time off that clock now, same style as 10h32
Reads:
8h36
